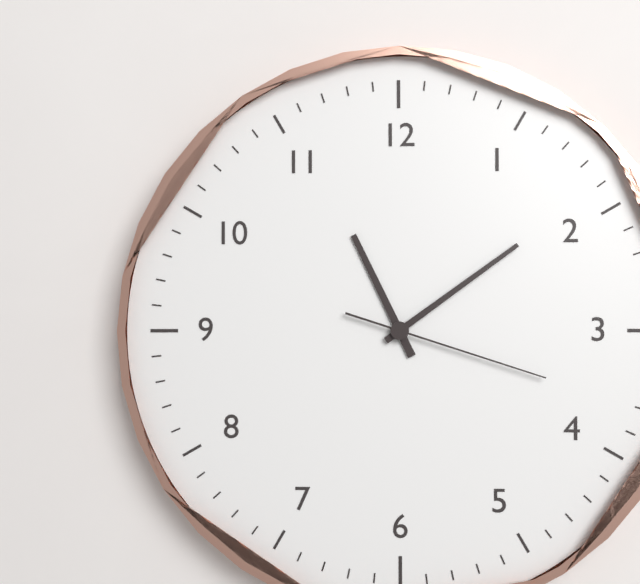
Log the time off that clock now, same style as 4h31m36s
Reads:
11h09m18s
